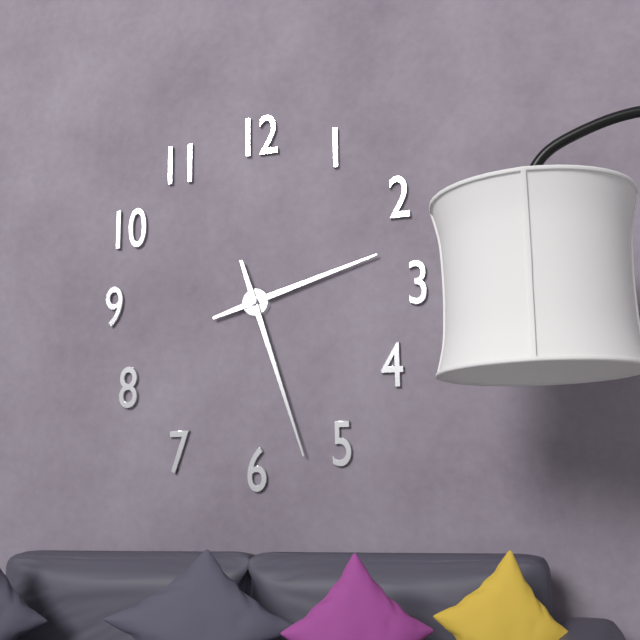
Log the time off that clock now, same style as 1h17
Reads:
2h27
